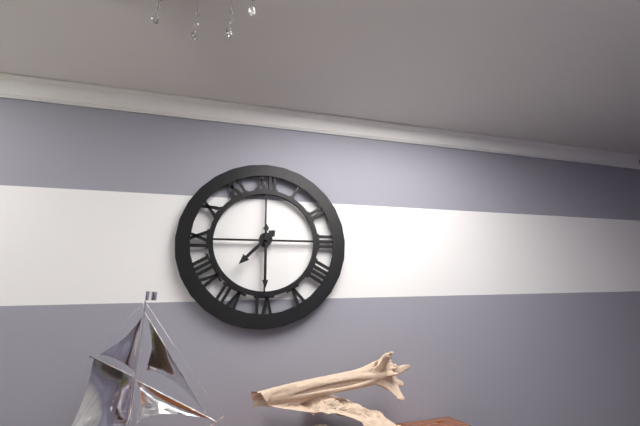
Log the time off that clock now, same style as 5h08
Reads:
7h30
